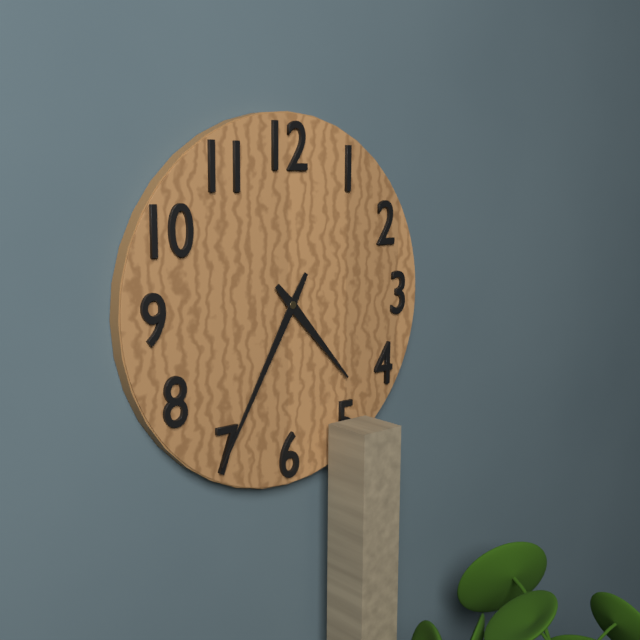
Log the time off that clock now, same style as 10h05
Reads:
4h35
